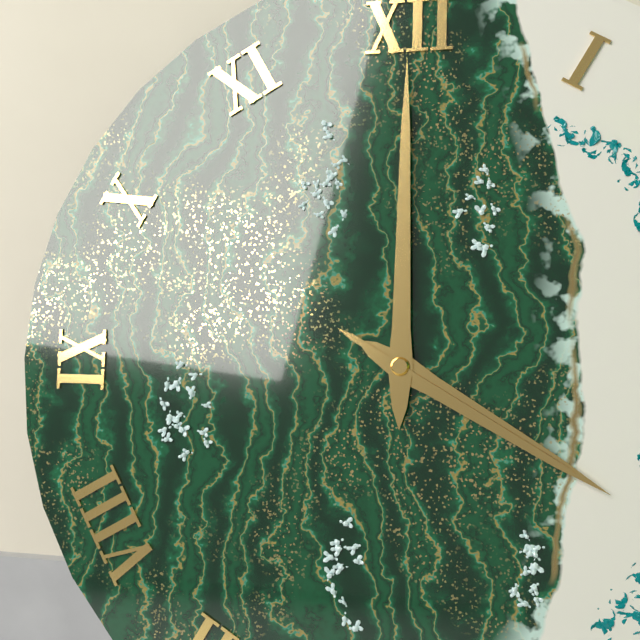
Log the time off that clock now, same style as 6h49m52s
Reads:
4h00m20s
